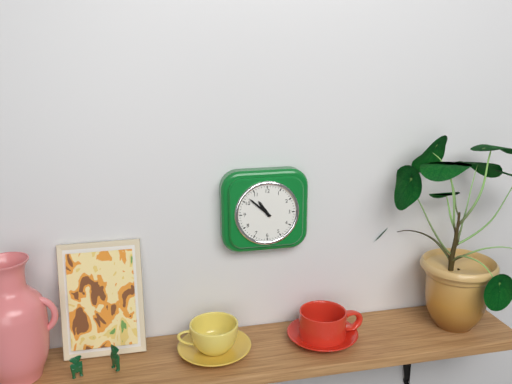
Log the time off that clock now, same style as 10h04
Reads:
10h52
